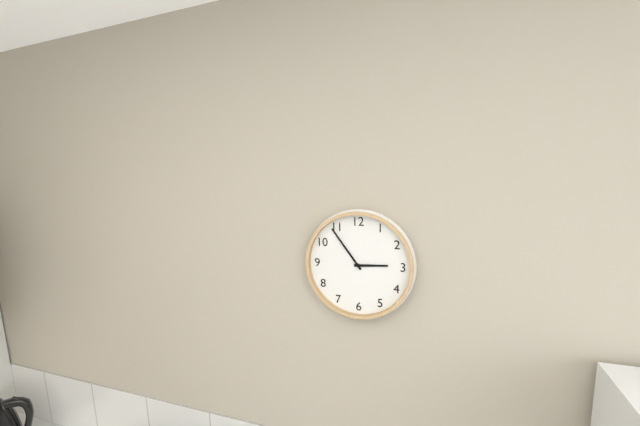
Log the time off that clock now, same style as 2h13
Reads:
2h54
